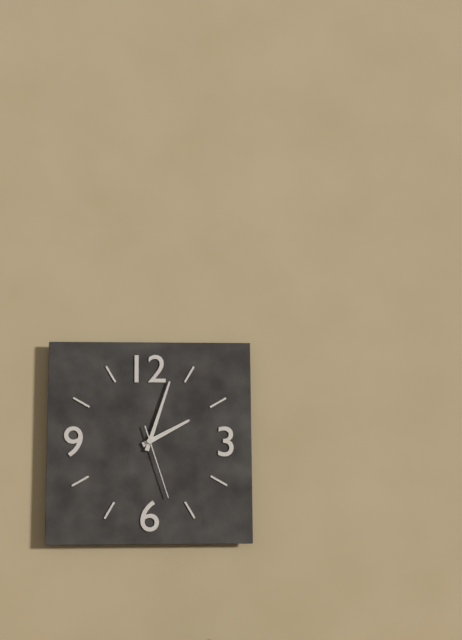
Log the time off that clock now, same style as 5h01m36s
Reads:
2h03m27s
